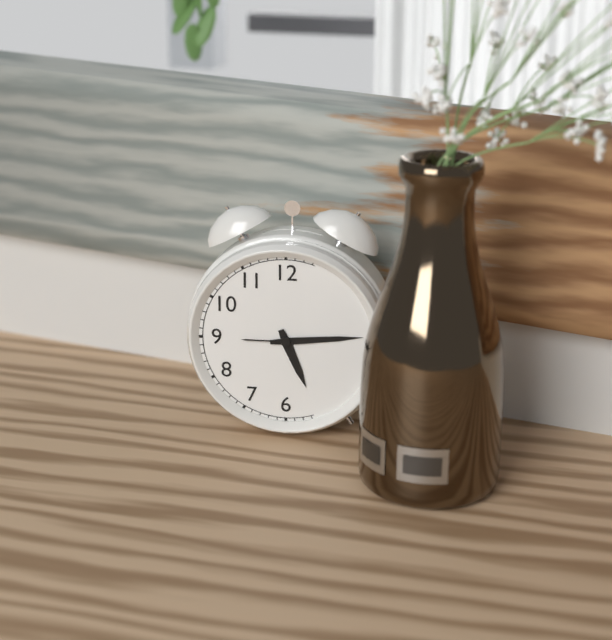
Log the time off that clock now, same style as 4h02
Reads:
5h14
